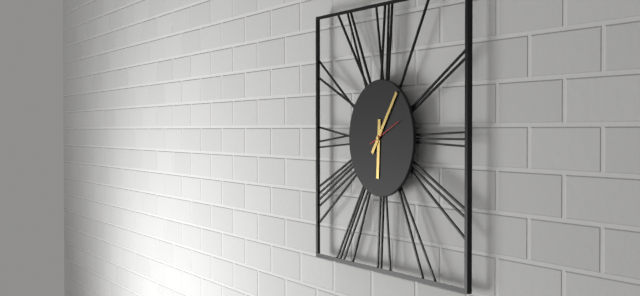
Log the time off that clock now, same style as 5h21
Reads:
6h06
